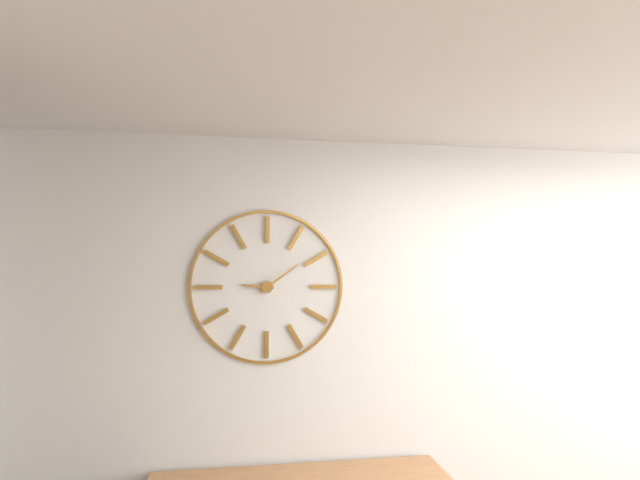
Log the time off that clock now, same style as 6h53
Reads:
9h09
